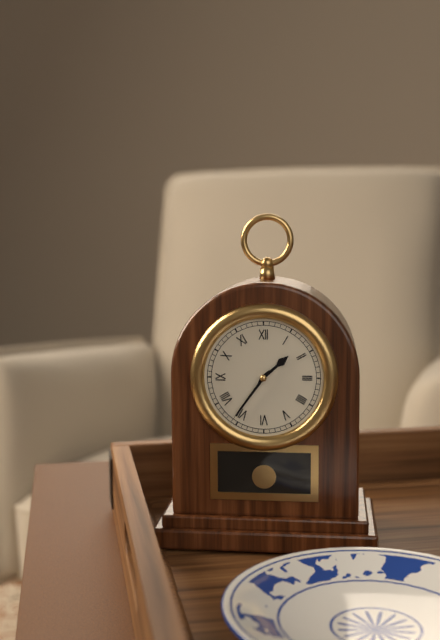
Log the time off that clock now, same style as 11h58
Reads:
1h36
